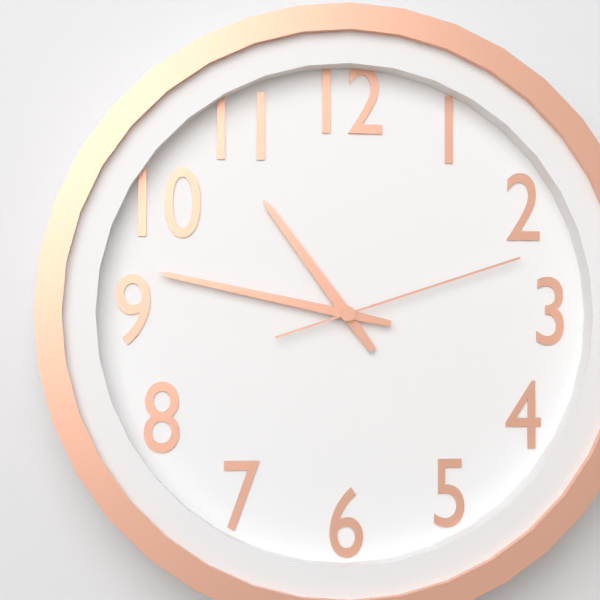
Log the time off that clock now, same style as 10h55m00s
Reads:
10h47m12s
